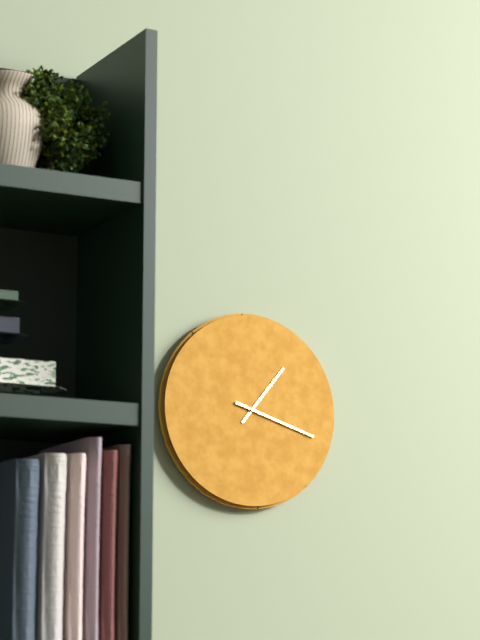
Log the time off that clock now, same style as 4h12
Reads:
1h18
